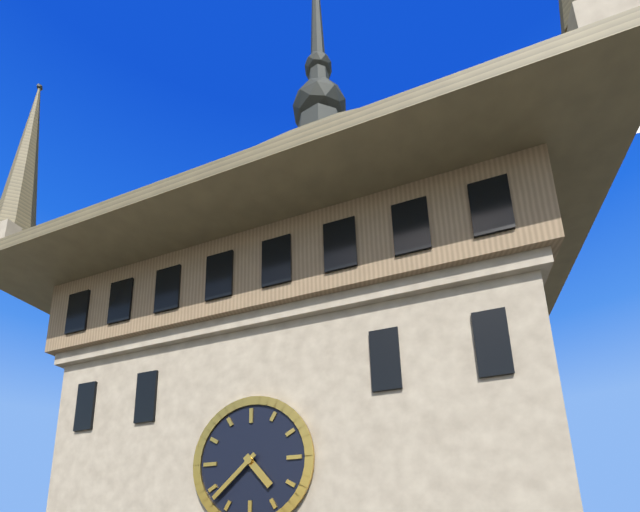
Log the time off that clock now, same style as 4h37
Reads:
4h38
